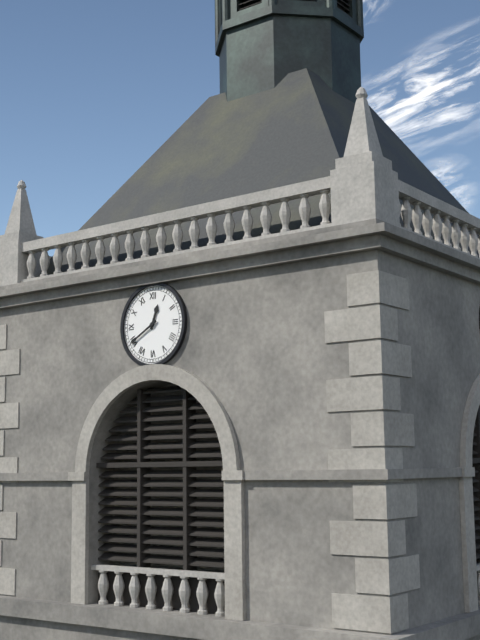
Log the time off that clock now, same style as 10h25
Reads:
12h40
